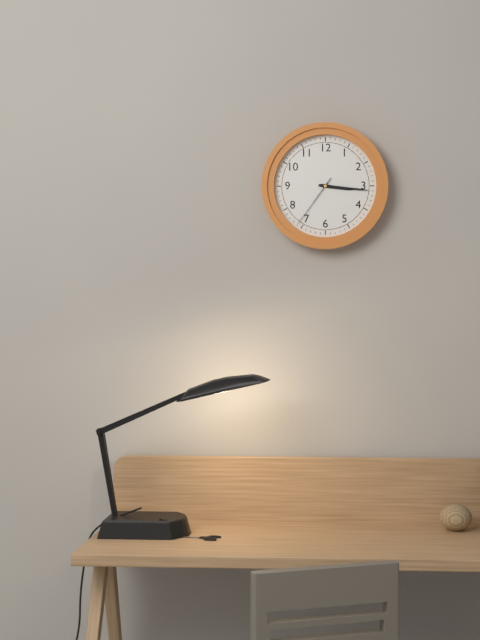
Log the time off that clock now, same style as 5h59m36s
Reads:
3h16m36s
